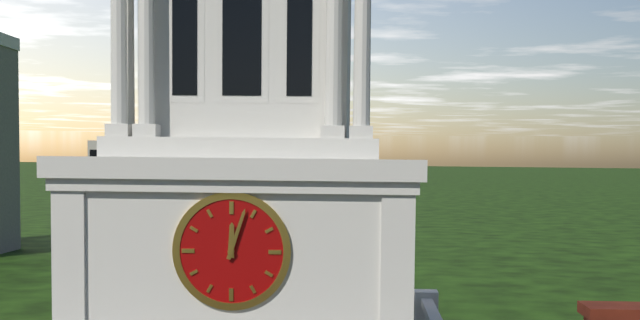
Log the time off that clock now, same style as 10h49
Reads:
12h03
